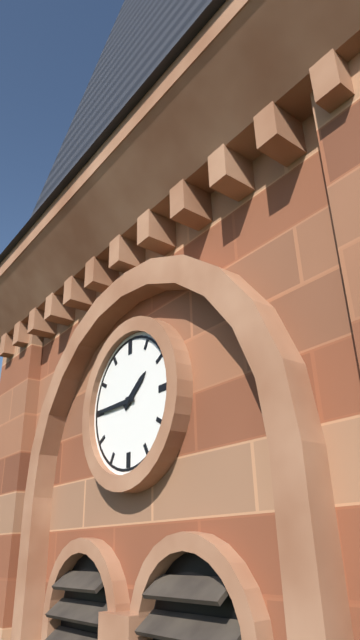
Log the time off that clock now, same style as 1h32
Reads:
1h45
